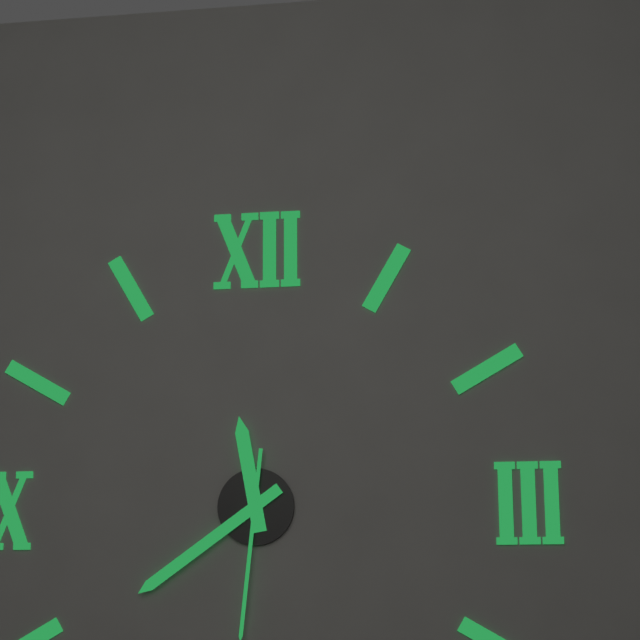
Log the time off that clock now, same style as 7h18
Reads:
11h39
